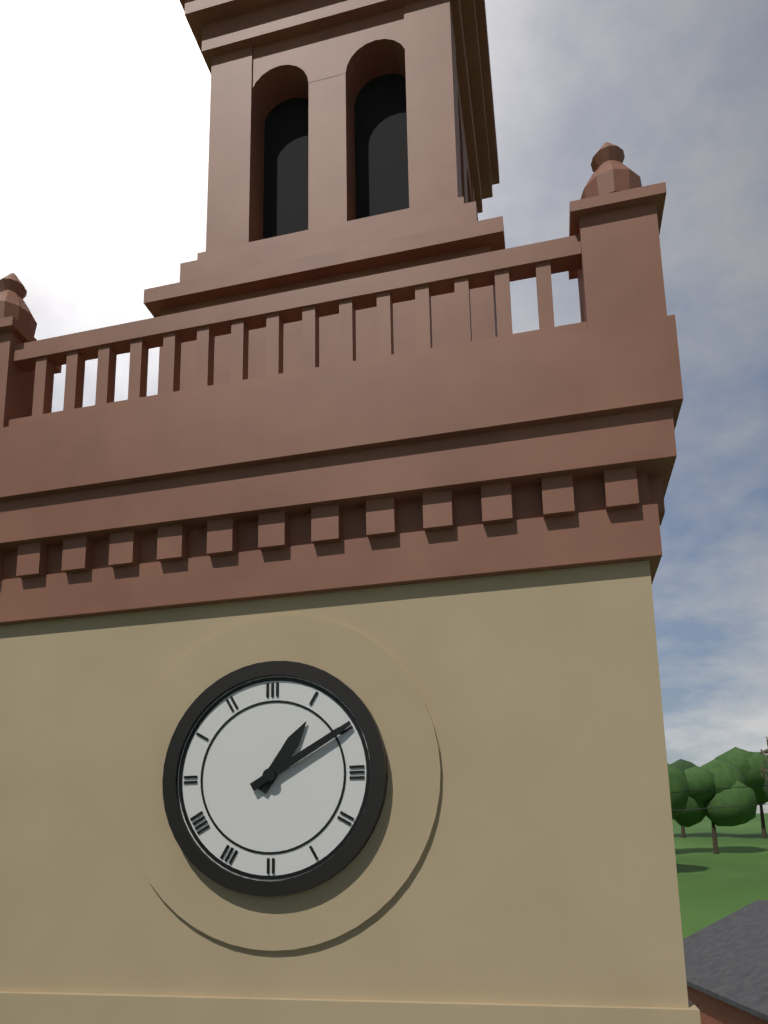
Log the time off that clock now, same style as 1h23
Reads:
1h10
